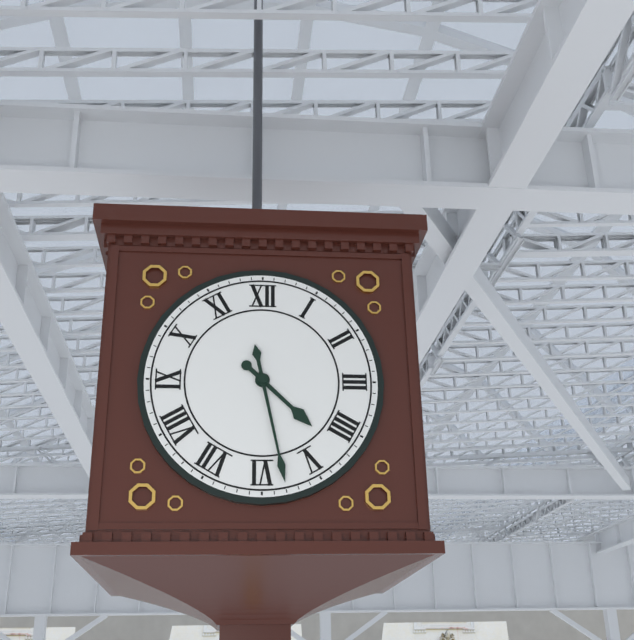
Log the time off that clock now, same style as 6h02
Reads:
4h28
